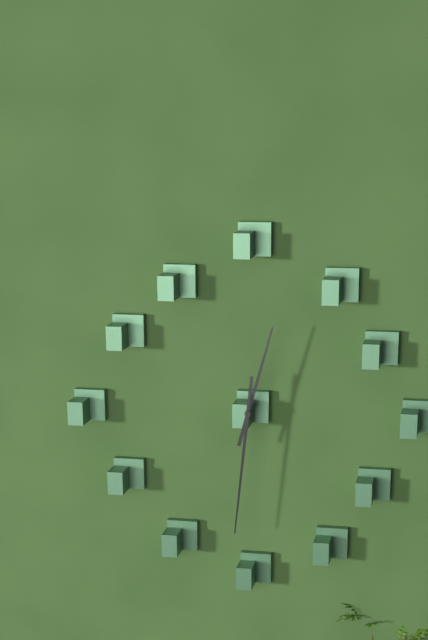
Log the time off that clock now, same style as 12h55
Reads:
12h31
